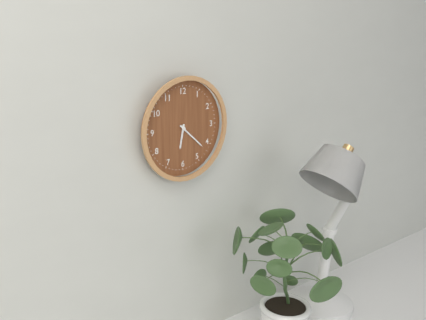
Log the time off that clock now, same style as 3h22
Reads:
6h22
